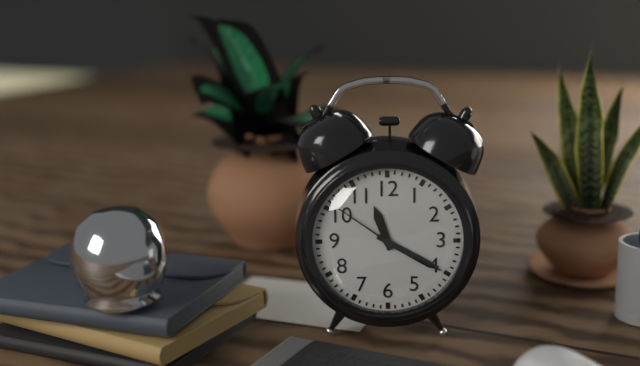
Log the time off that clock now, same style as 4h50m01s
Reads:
11h20m51s
